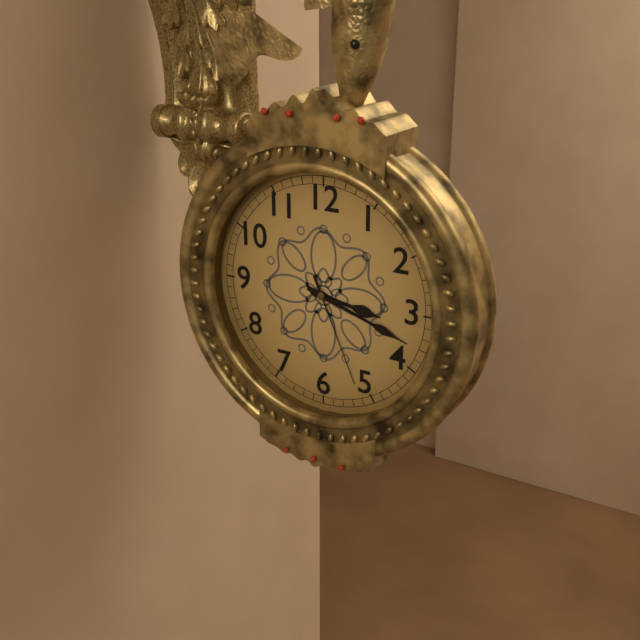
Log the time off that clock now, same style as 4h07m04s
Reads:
3h18m26s
